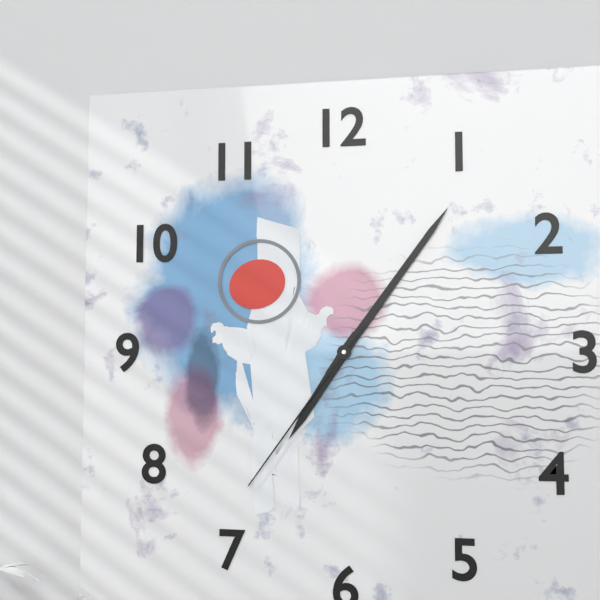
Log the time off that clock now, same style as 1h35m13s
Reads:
7h06m36s
